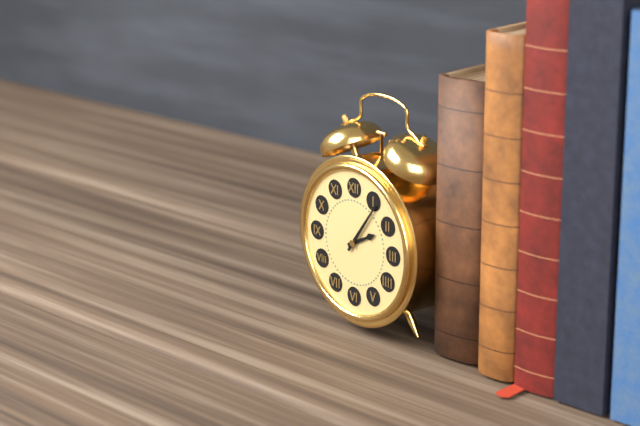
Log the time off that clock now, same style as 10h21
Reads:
2h06
